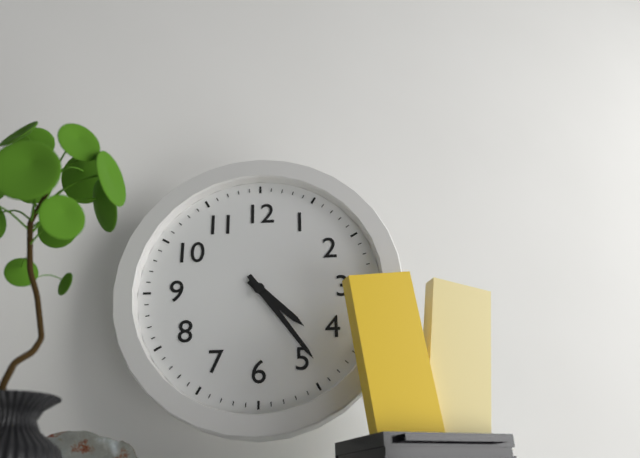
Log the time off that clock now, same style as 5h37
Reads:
4h24
